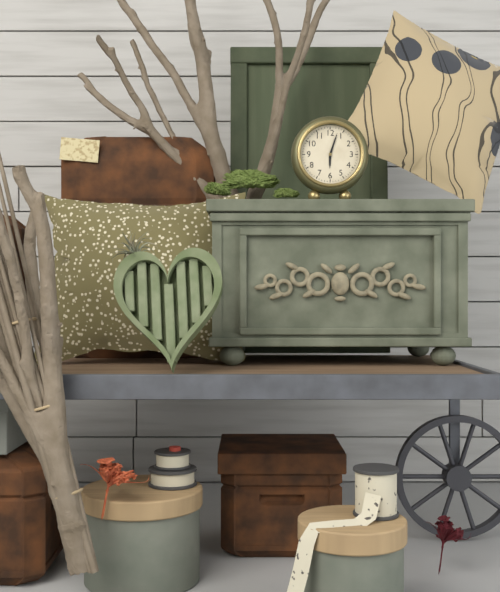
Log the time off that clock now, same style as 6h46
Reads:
6h03
